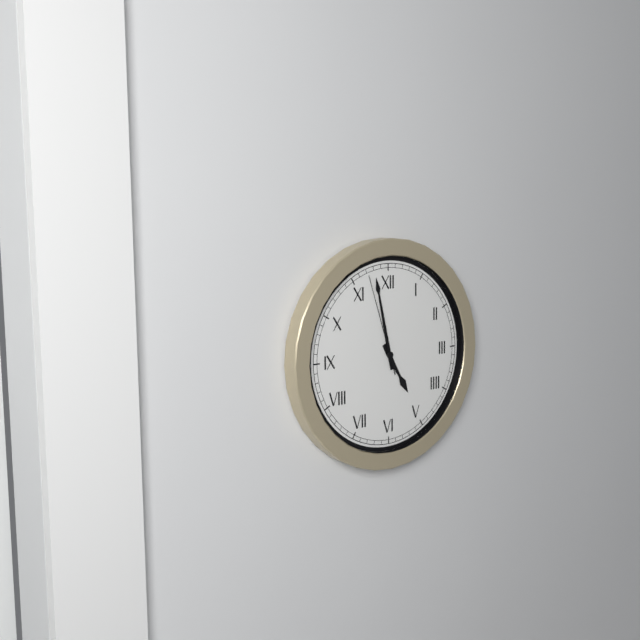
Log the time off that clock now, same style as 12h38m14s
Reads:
4h58m57s
